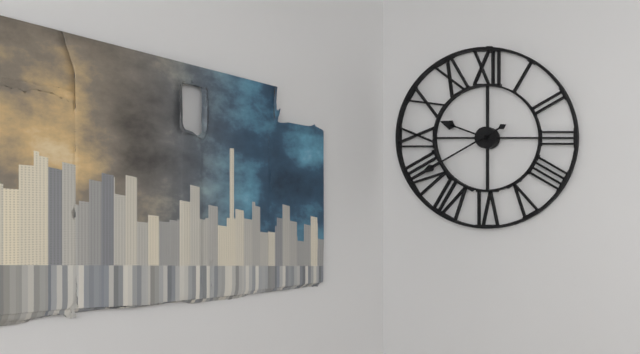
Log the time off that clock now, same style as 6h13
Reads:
9h40
